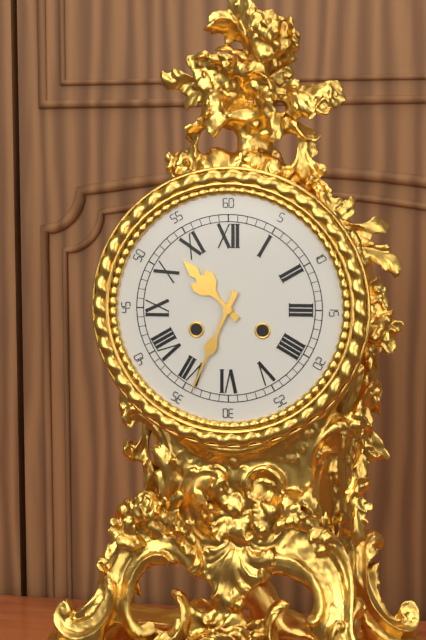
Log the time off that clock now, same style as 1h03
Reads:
10h34
